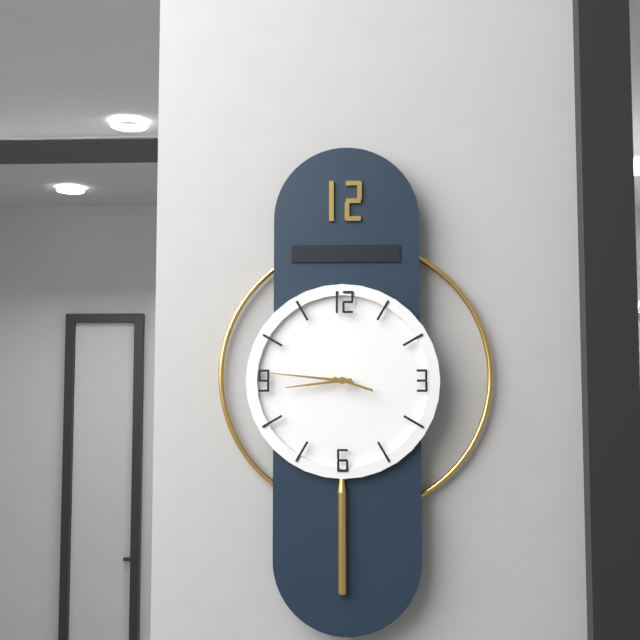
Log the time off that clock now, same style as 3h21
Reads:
8h46
